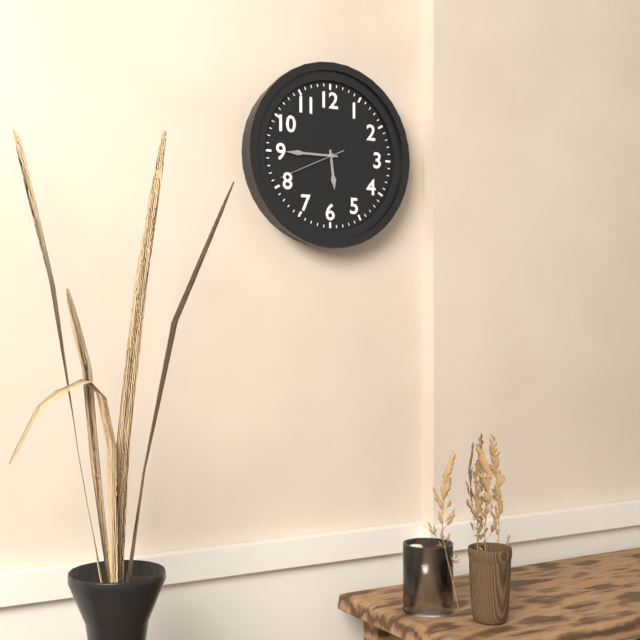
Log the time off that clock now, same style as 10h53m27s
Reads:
5h45m41s
